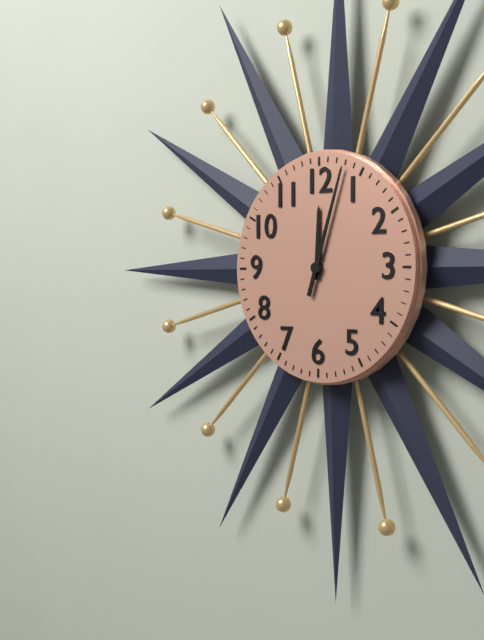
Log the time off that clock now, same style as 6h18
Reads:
12h03
